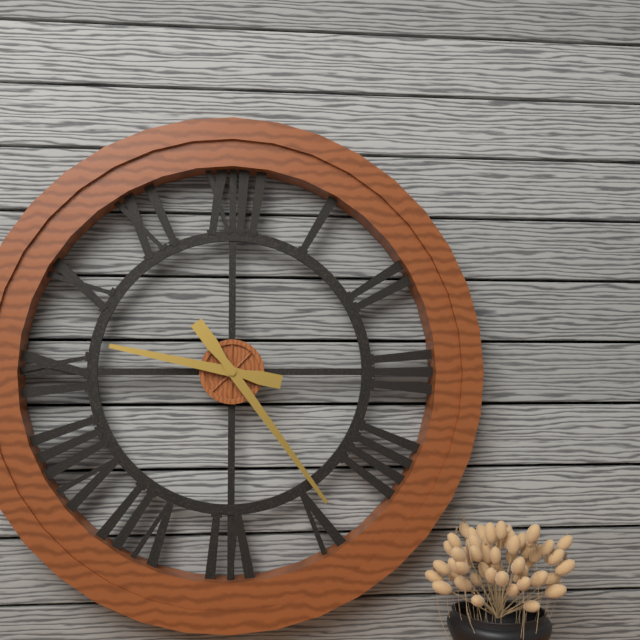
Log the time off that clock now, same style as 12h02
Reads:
9h24
